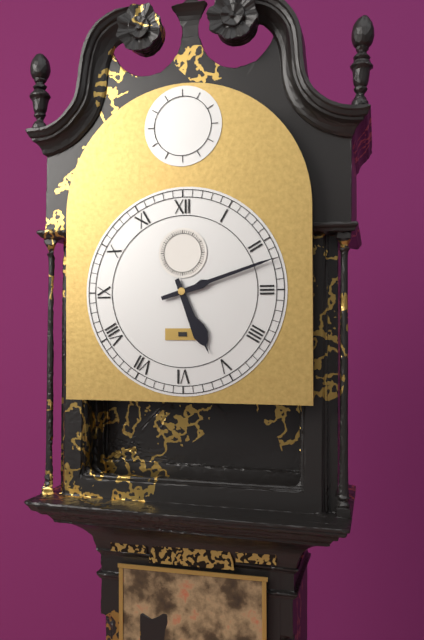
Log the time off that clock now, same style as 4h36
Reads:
5h12
